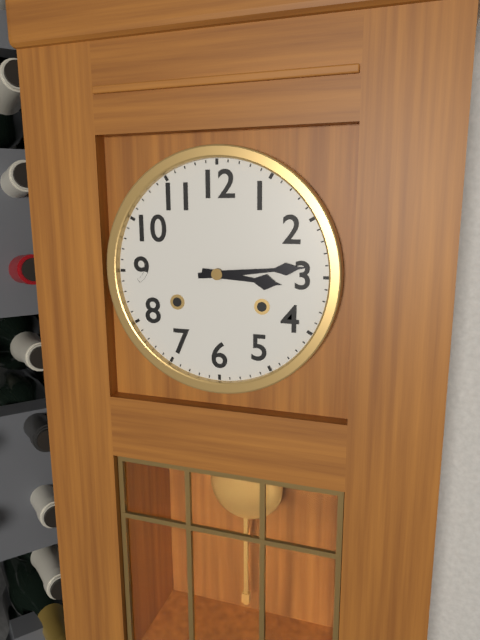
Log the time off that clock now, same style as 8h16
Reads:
3h14
